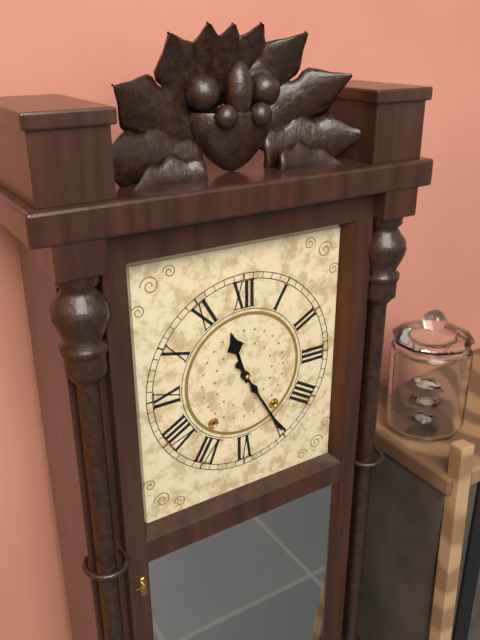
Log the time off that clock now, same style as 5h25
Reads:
11h25
